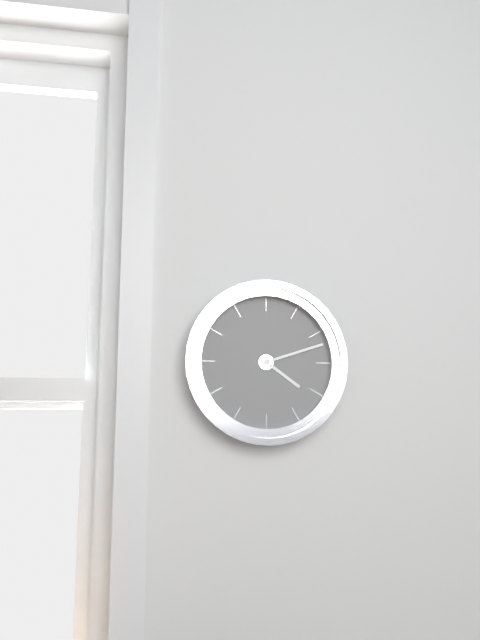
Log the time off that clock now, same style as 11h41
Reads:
4h12
